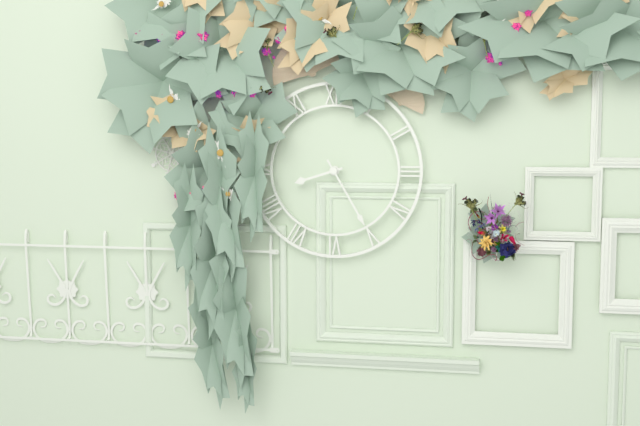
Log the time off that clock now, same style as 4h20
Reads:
8h25
